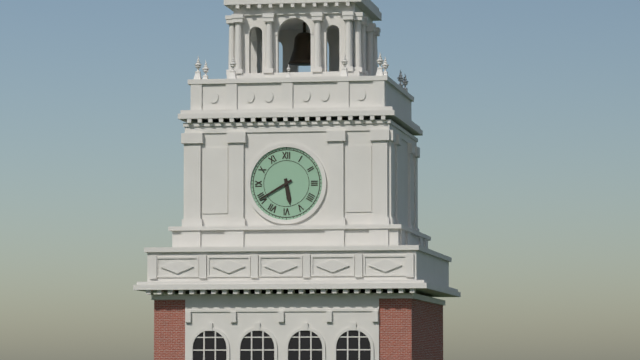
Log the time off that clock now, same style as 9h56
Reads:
5h40
